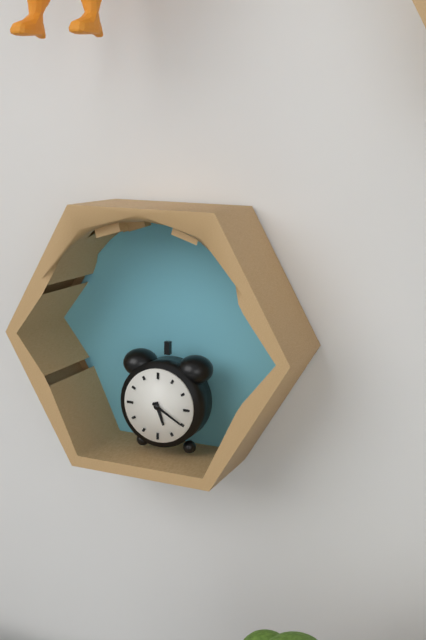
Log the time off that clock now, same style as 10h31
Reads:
5h20
